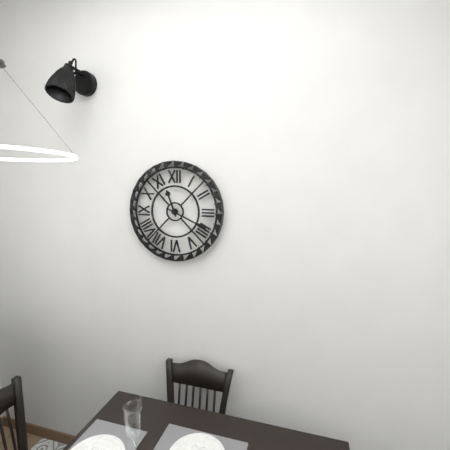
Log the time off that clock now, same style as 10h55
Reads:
11h19
